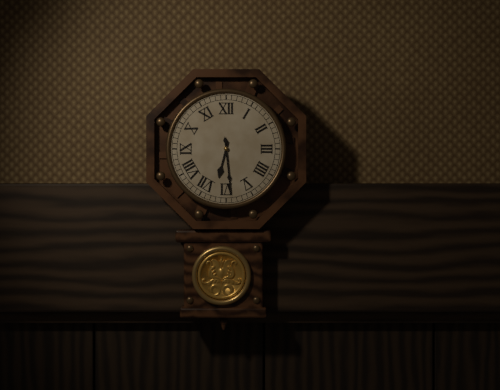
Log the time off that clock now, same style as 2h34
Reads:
6h29
